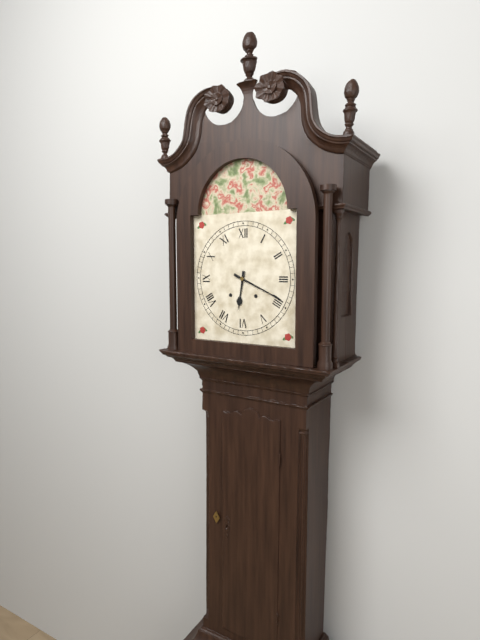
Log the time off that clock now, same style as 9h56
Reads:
6h19
